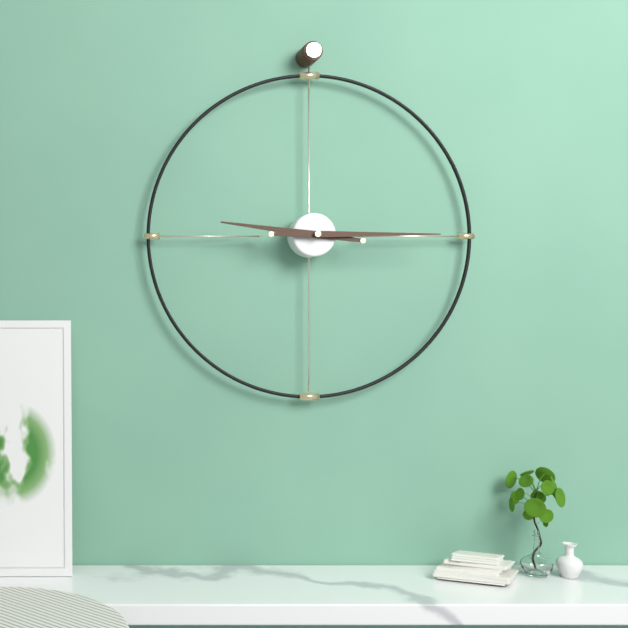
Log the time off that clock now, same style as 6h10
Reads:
9h15
